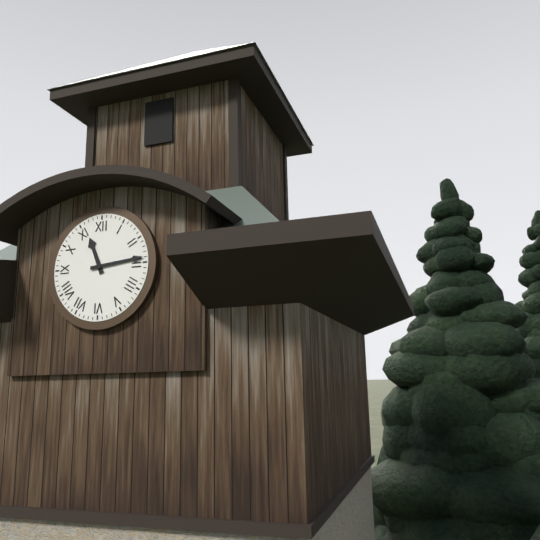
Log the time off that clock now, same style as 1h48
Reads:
11h14
